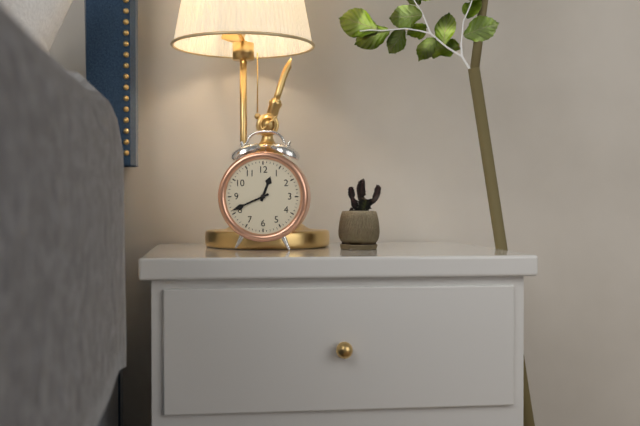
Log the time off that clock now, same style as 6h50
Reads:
12h41
